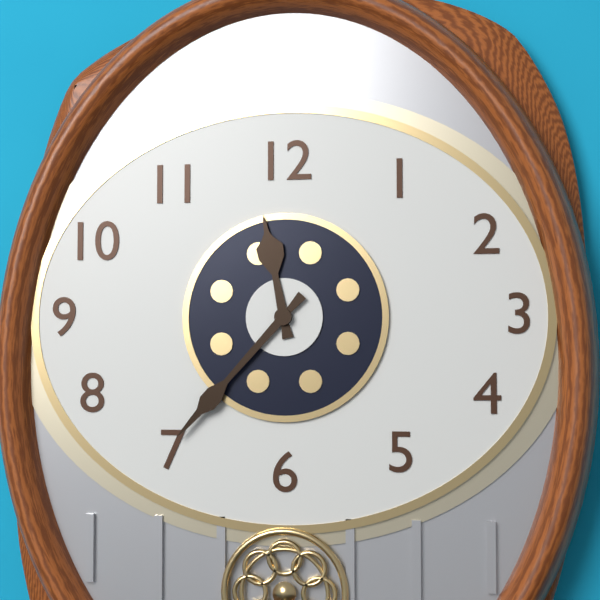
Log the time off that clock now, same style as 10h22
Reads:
11h37
